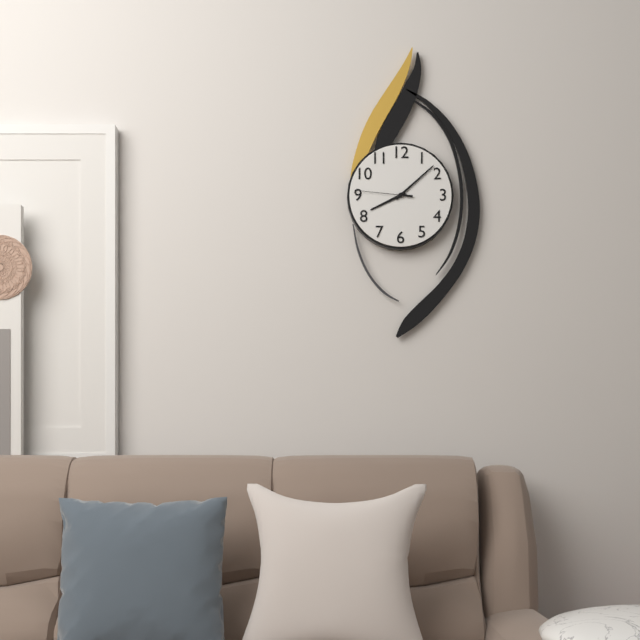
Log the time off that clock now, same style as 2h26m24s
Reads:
8h08m46s
